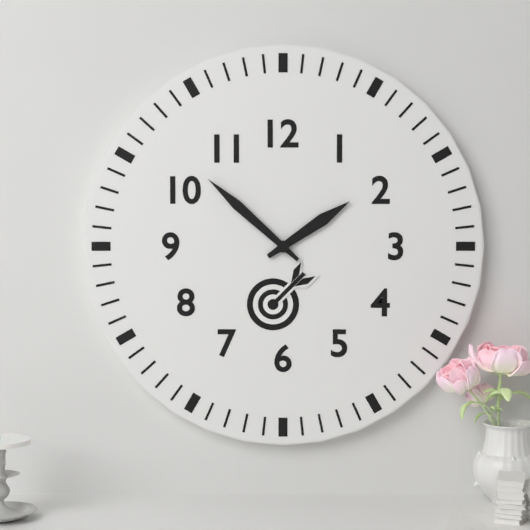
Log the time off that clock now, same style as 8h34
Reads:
1h52
